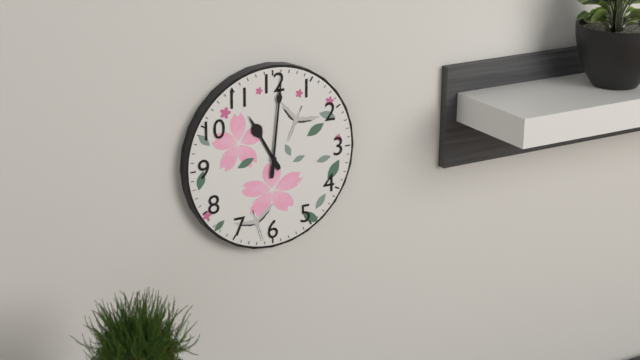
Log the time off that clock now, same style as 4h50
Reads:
11h01
